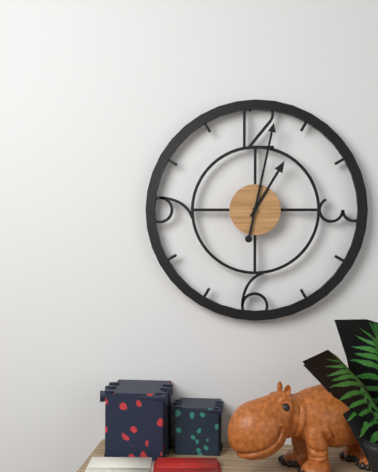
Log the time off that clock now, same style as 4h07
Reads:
1h02
